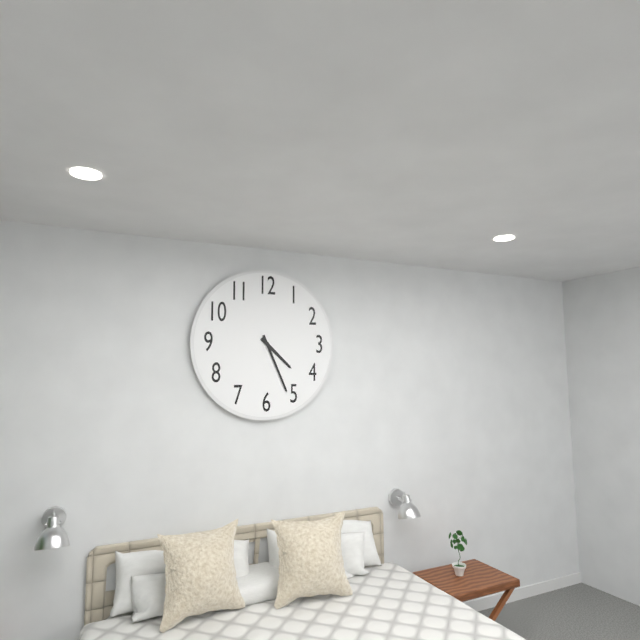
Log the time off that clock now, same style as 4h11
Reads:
4h26
